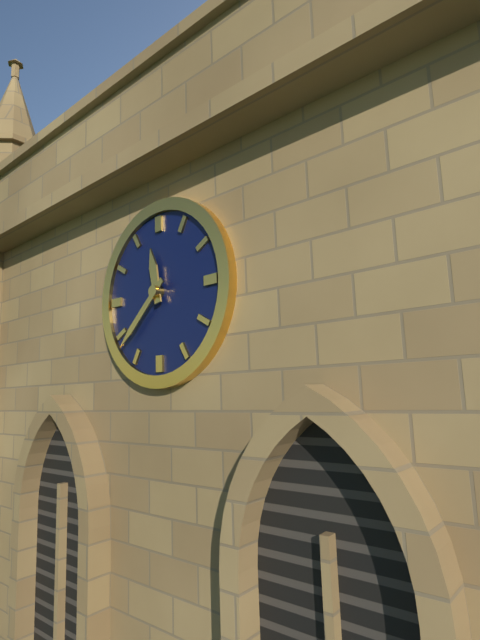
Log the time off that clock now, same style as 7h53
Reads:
11h38
